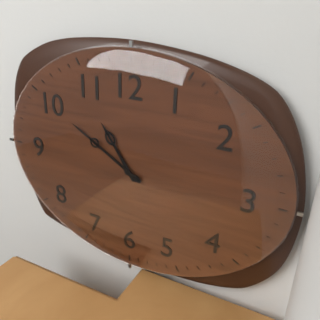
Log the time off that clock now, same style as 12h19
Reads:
10h50
